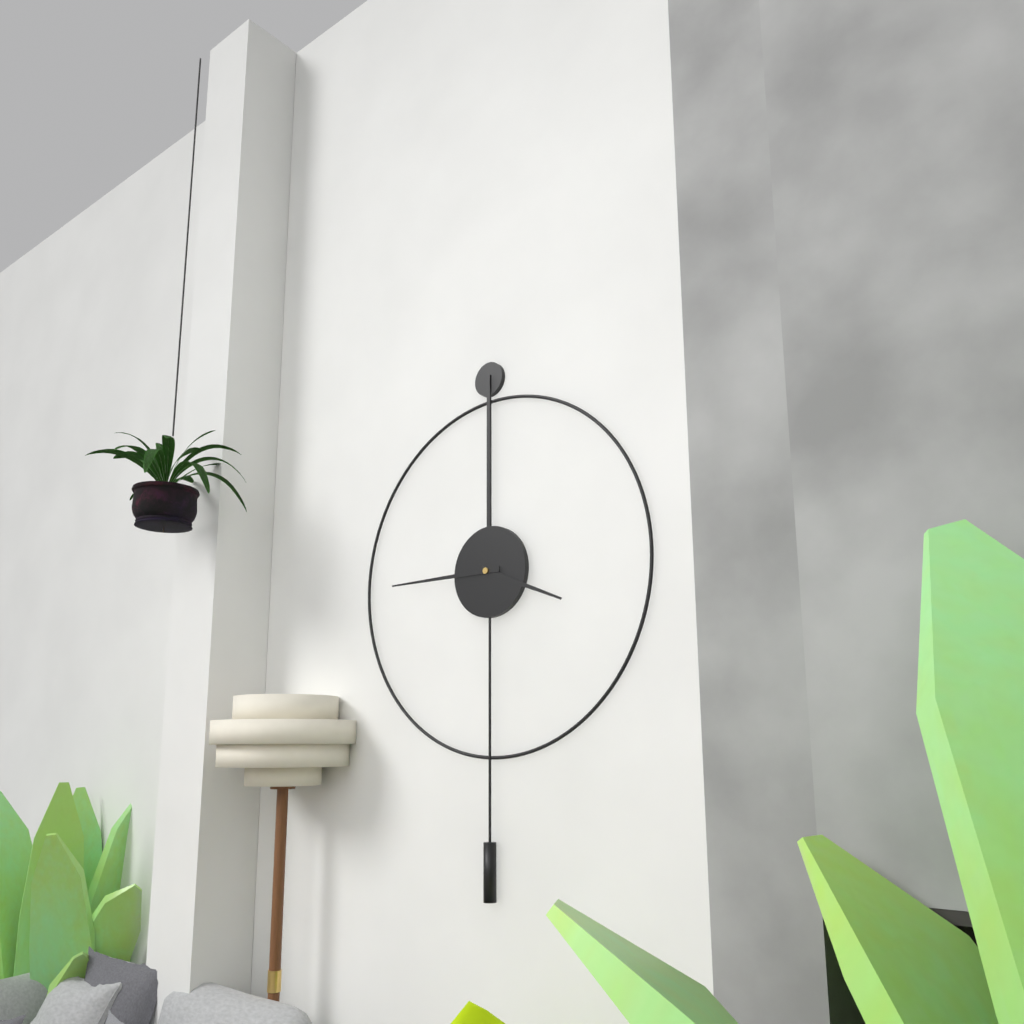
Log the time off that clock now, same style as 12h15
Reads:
3h45
